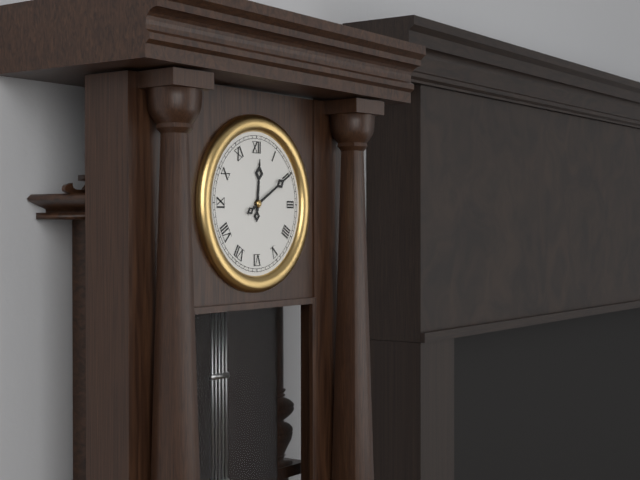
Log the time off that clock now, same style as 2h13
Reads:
12h10
